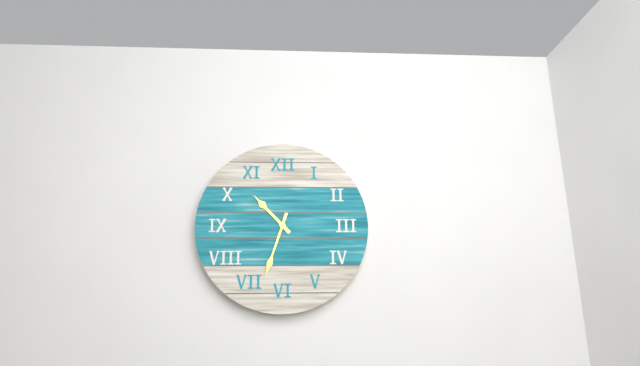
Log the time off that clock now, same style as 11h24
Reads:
10h33
